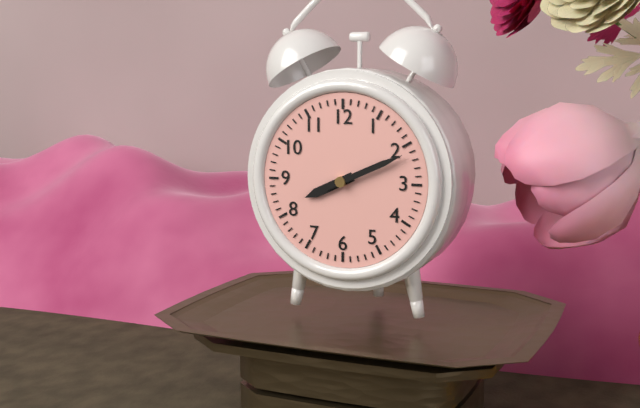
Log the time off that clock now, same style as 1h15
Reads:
8h11
